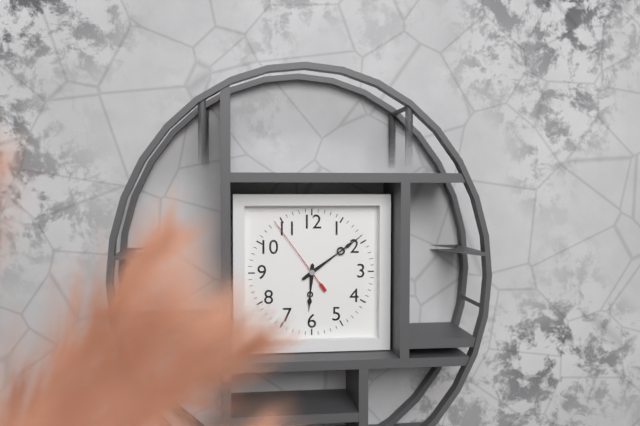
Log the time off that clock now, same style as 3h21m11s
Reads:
6h09m54s
